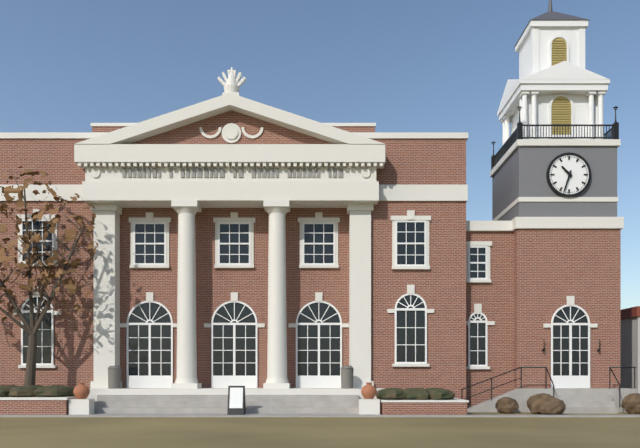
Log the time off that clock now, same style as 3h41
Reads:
10h33
